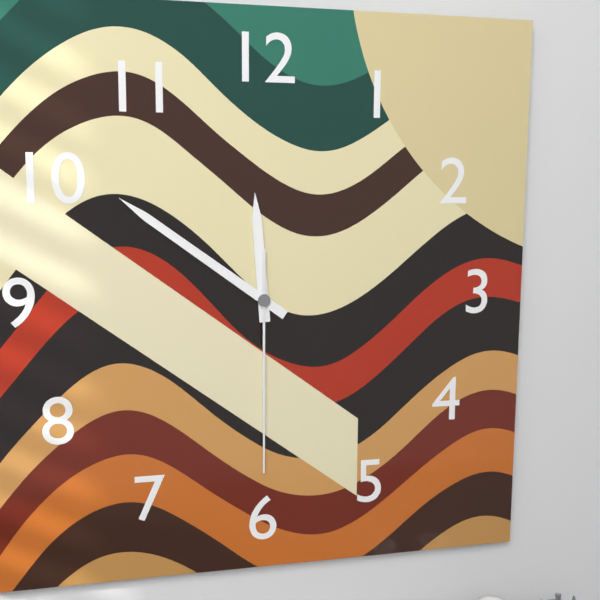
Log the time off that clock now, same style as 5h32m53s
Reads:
11h51m30s
